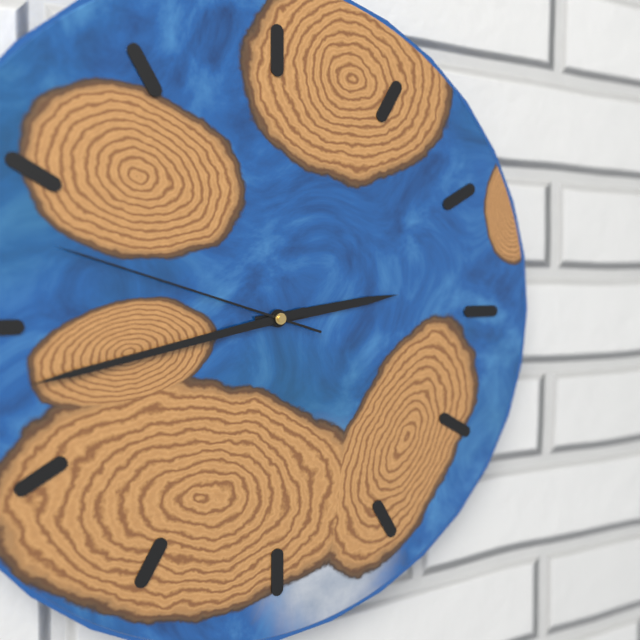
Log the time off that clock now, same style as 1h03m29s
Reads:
2h43m48s
